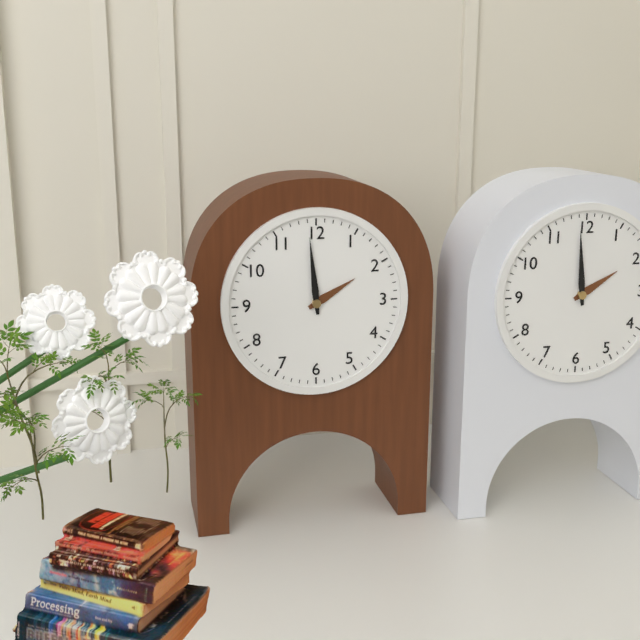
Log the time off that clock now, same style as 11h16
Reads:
1h59
